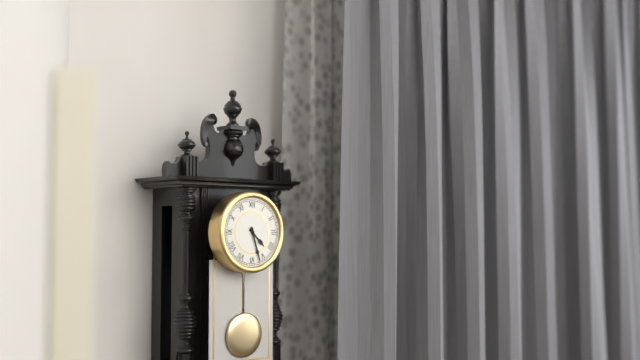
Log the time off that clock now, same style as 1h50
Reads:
4h27
